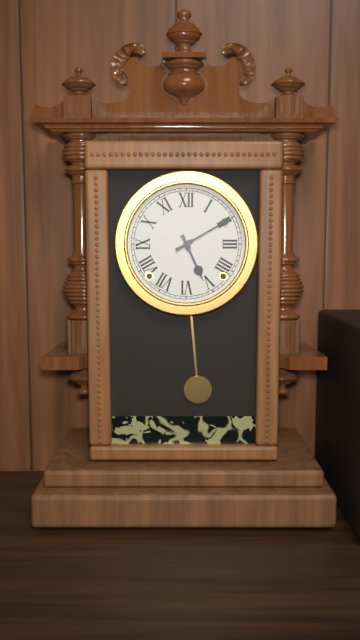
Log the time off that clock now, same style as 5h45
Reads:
5h10
